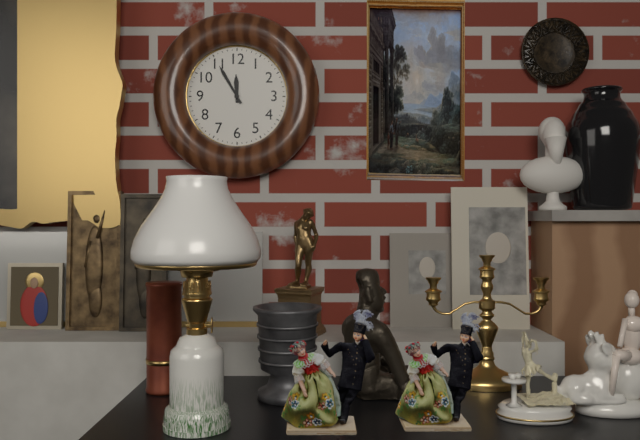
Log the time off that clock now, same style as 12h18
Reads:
11h55
